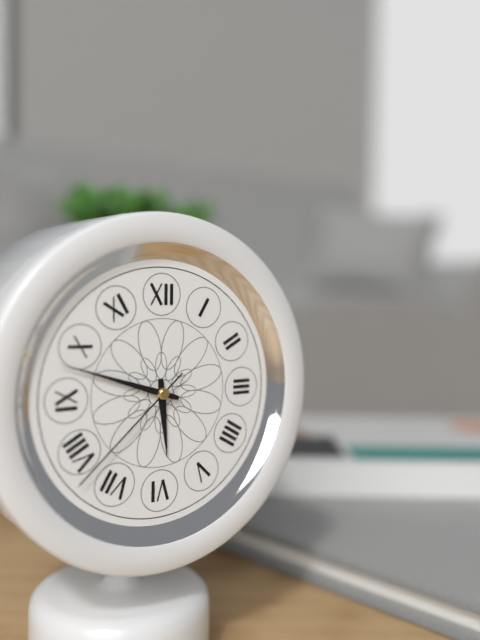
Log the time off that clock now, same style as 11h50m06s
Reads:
5h48m38s
